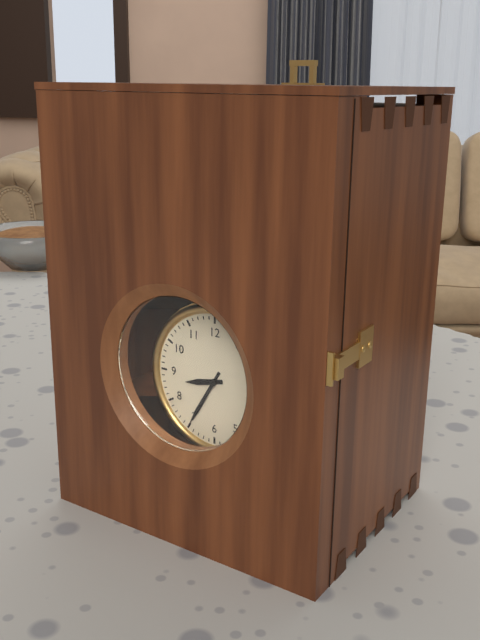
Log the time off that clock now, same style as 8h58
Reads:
8h35
